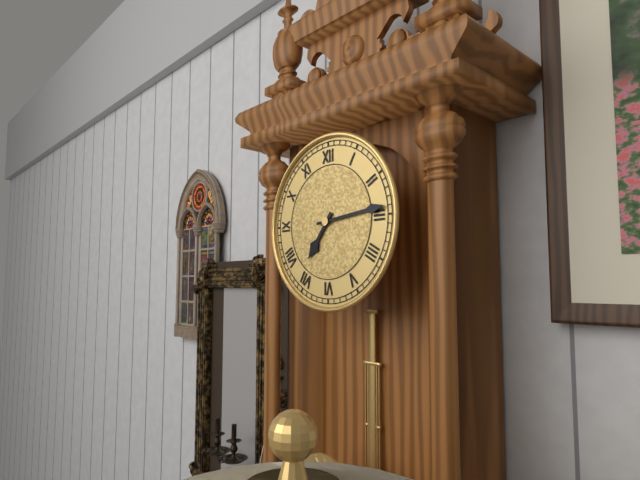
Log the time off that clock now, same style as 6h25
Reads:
7h14
